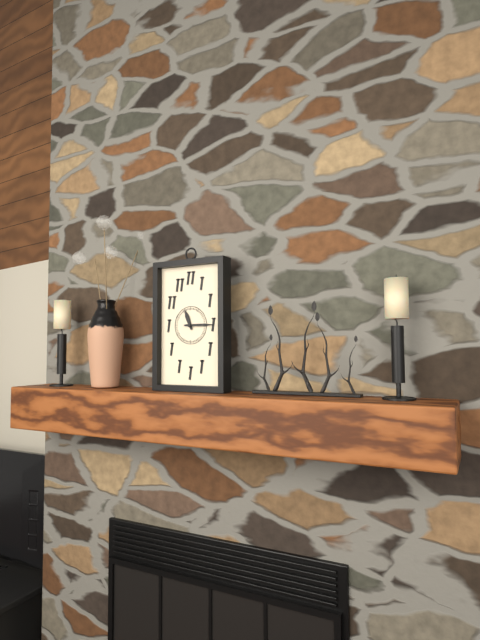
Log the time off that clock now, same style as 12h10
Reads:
11h15
